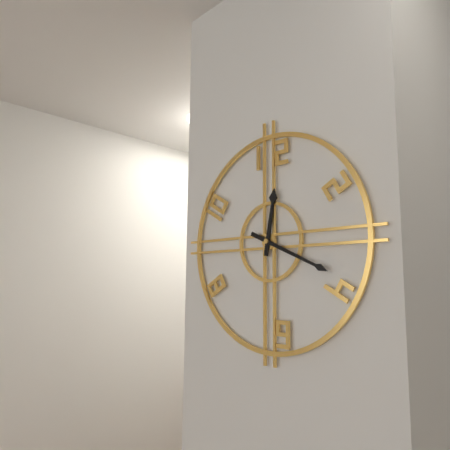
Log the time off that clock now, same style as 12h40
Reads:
12h19
